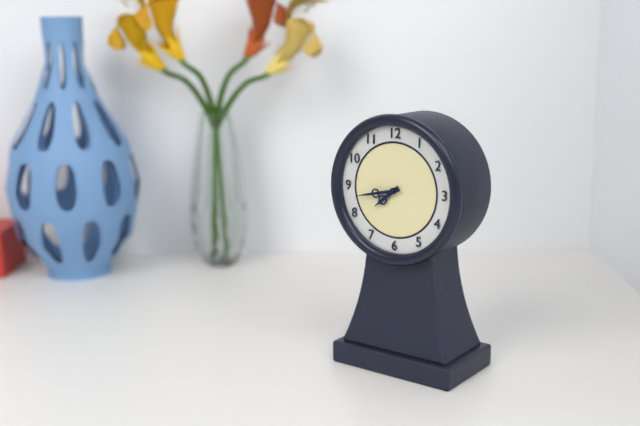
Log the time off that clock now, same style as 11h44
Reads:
7h43
